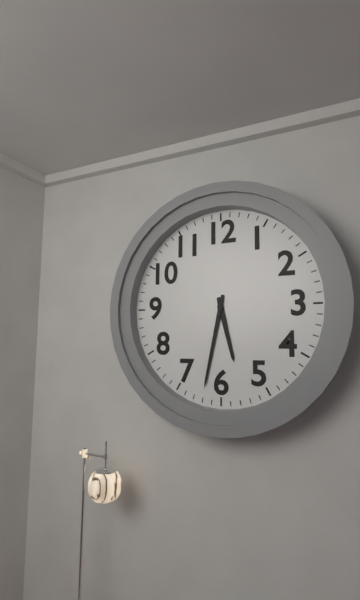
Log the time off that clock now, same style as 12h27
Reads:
5h32
